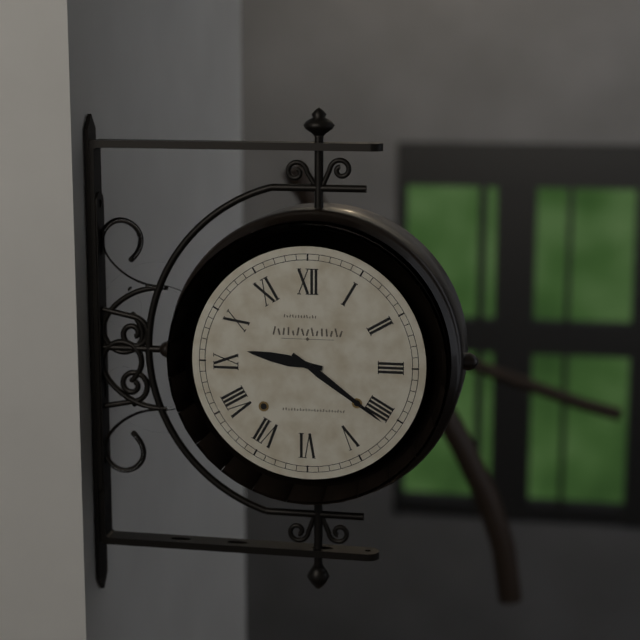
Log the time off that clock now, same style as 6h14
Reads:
9h21
